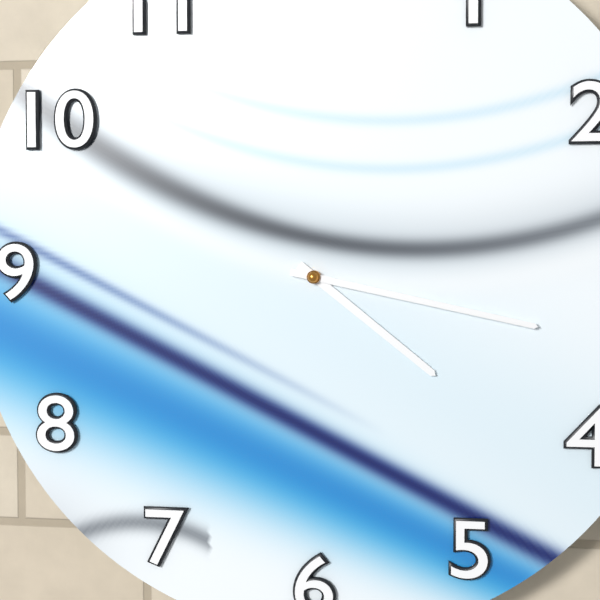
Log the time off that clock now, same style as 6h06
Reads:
4h17
